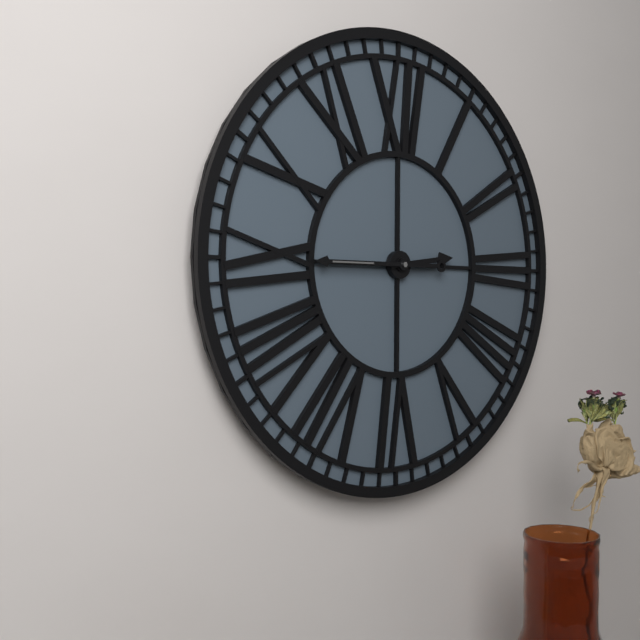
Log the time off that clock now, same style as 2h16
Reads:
2h45
